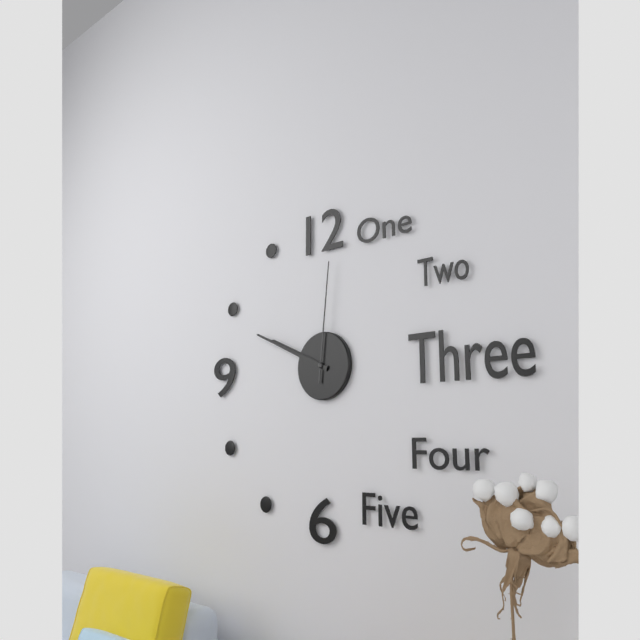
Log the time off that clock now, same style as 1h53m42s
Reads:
9h49m01s
